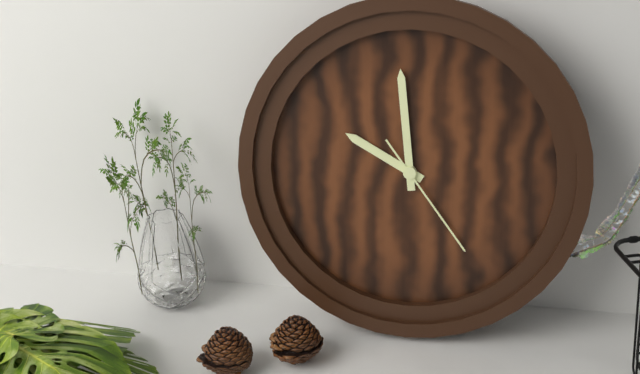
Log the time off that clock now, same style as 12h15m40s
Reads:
9h59m24s
